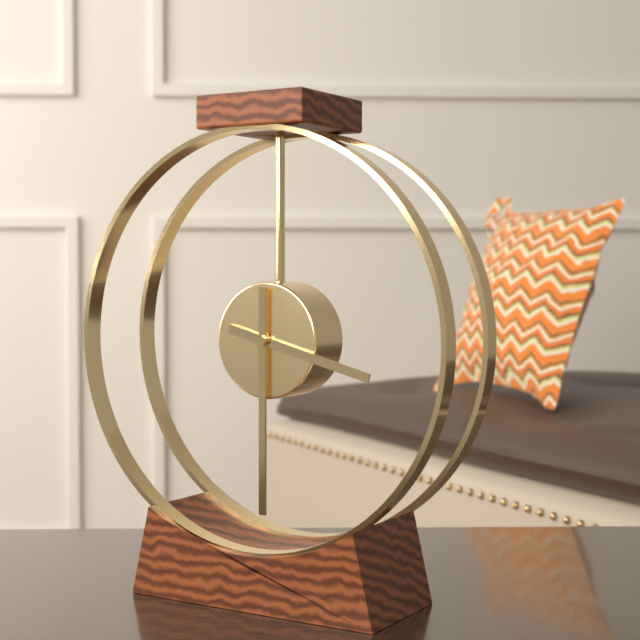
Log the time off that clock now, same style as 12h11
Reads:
3h30
